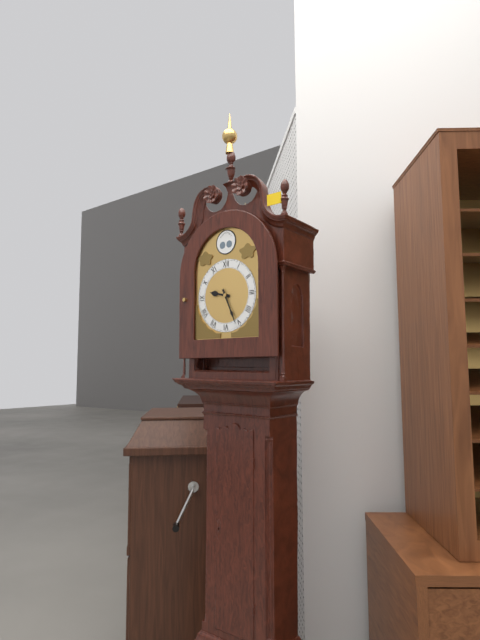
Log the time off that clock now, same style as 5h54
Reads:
9h26
